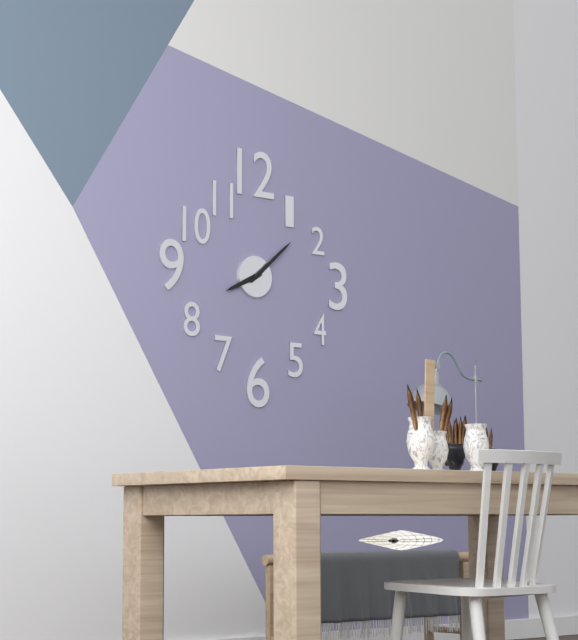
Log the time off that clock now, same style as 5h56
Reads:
8h08
